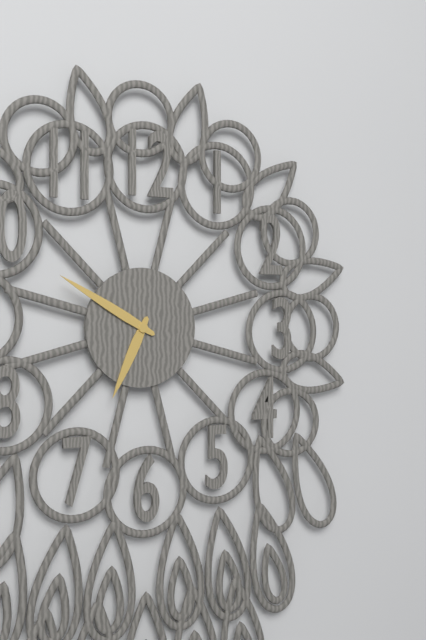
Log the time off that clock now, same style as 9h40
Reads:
6h50
